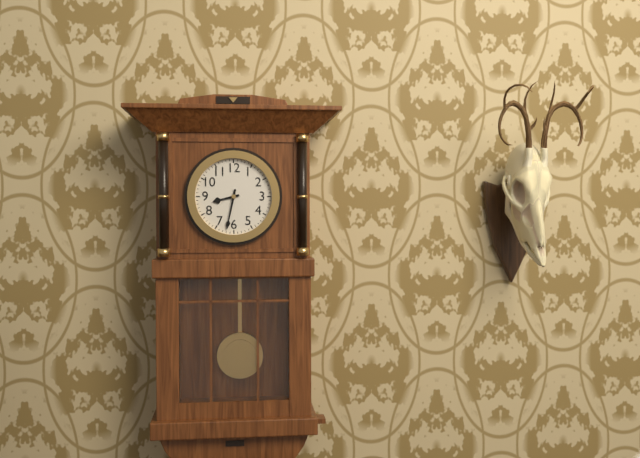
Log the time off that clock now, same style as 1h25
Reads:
8h32
